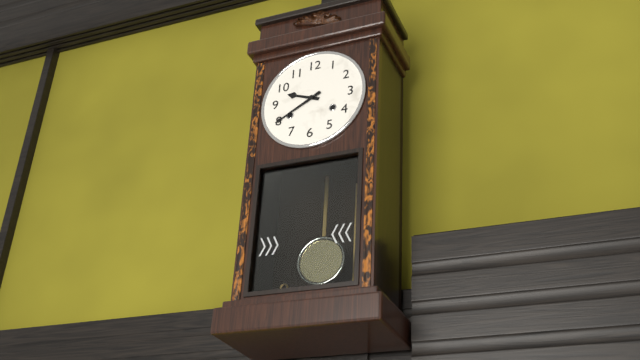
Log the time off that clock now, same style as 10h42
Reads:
9h40
